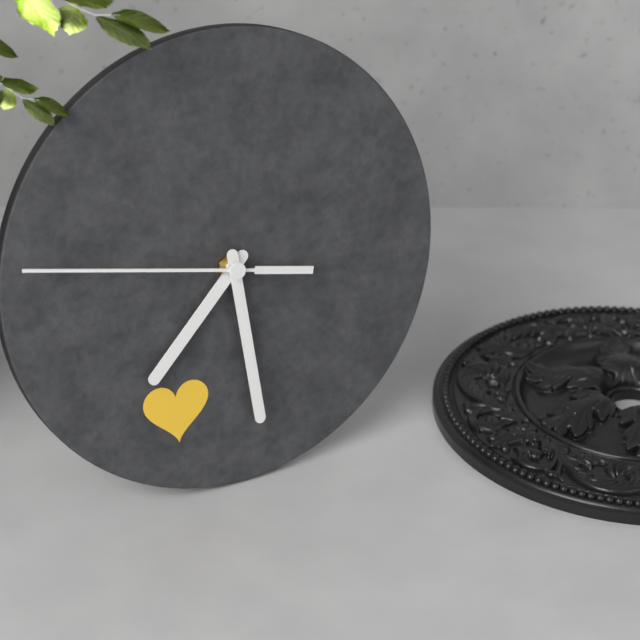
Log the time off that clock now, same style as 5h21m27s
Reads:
7h29m47s
